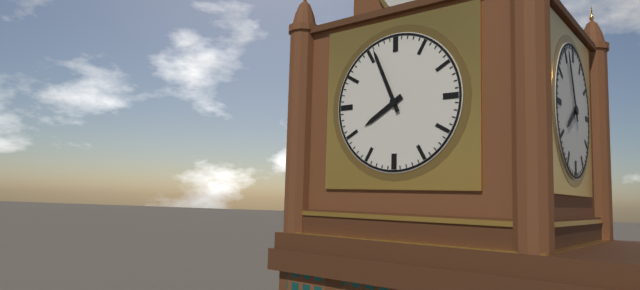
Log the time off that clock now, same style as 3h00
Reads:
7h56
